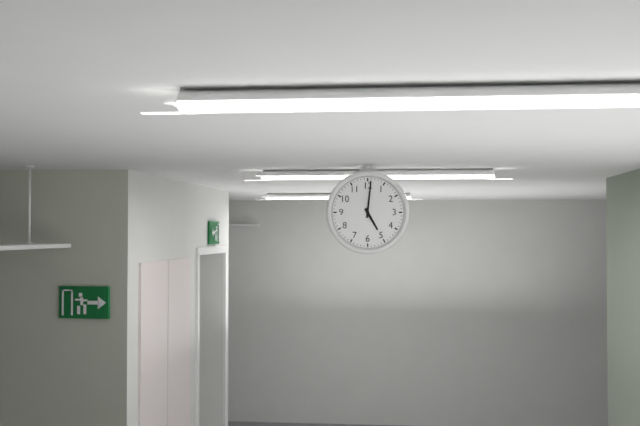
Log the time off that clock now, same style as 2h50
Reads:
5h01
